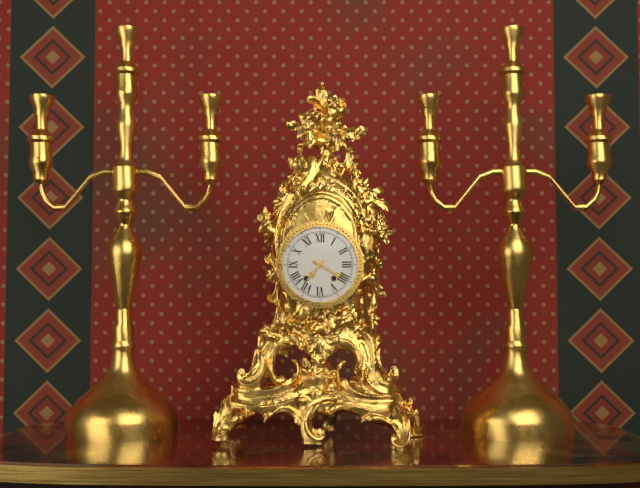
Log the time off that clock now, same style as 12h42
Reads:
7h20
